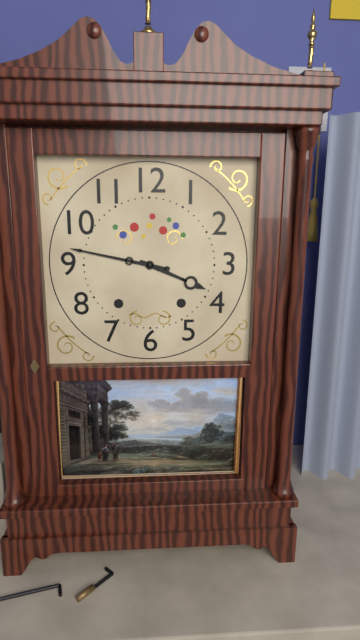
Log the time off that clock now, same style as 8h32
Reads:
3h47
